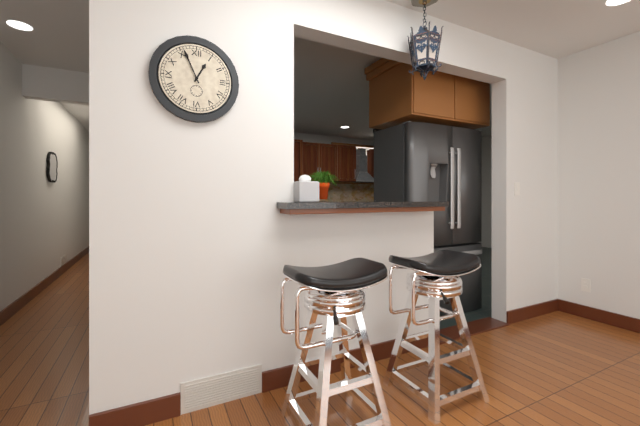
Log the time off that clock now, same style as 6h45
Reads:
12h56
